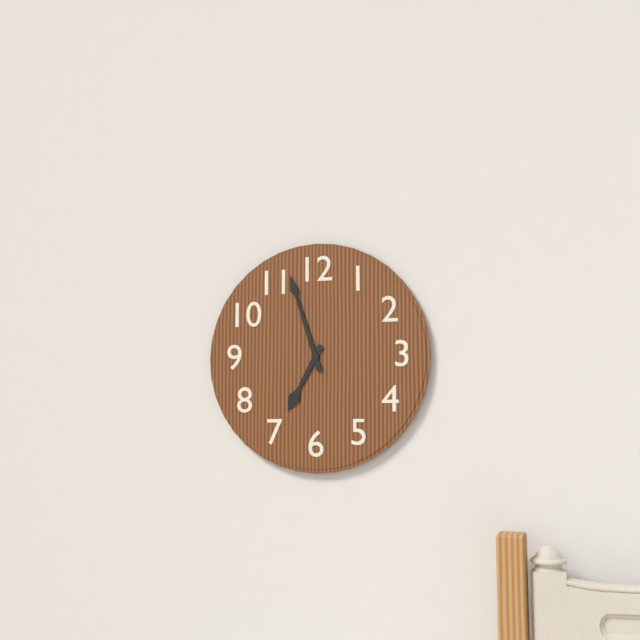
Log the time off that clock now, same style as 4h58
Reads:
6h57
